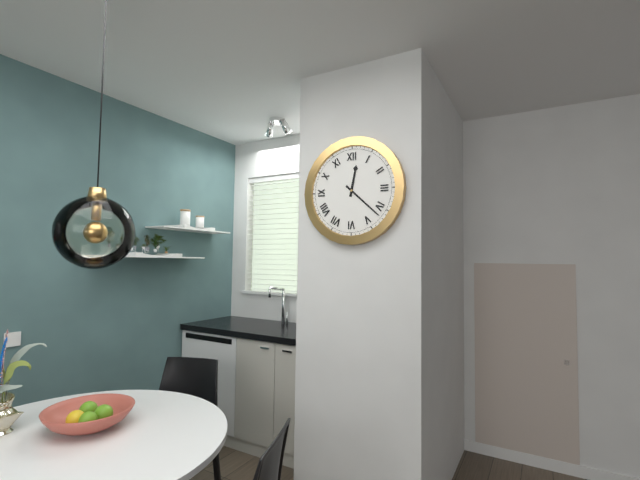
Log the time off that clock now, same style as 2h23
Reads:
12h22
